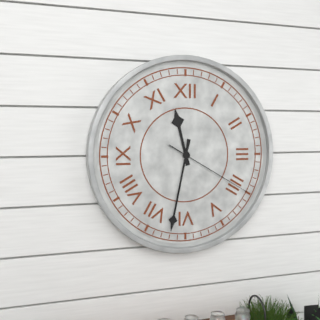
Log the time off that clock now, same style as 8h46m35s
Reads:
11h32m20s
